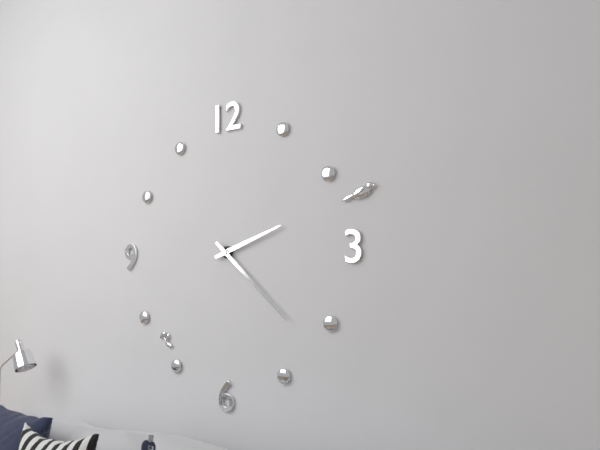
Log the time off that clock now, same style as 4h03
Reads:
2h22
